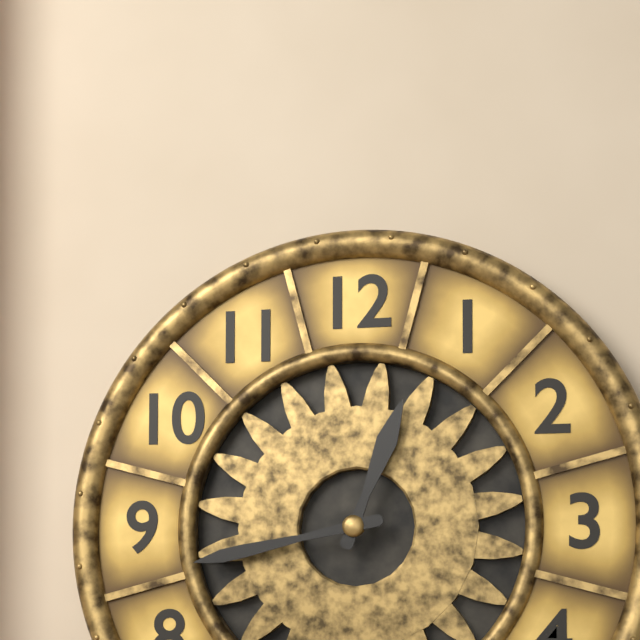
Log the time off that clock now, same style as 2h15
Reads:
12h43
